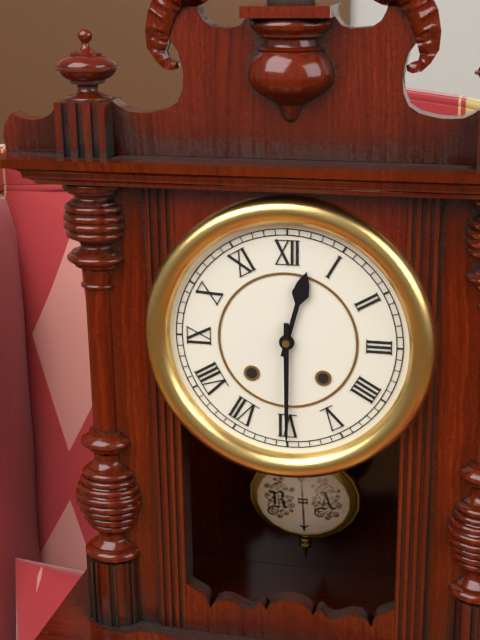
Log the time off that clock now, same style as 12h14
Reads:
12h30
